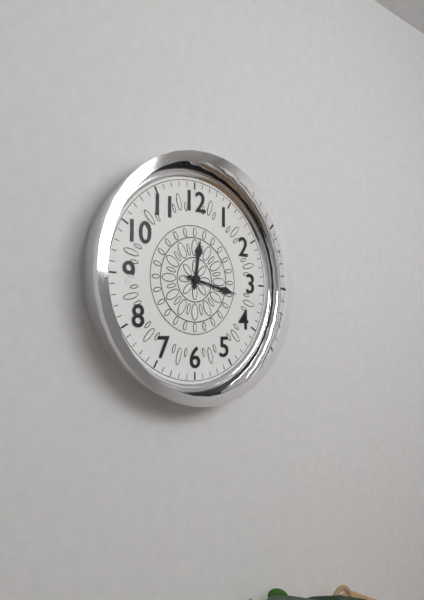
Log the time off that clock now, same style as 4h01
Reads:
12h17
